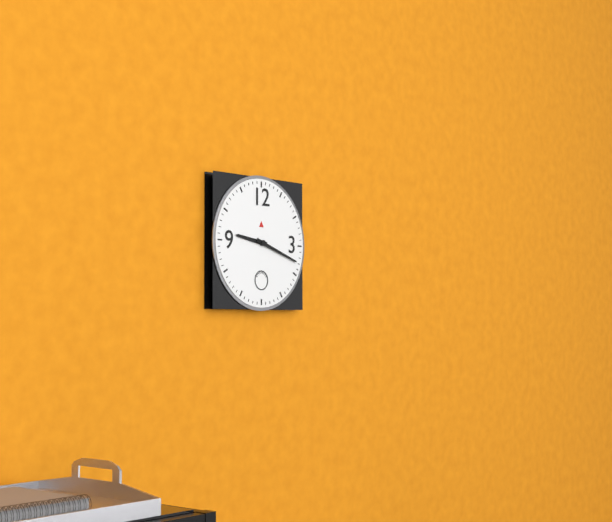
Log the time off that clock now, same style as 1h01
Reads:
9h18
